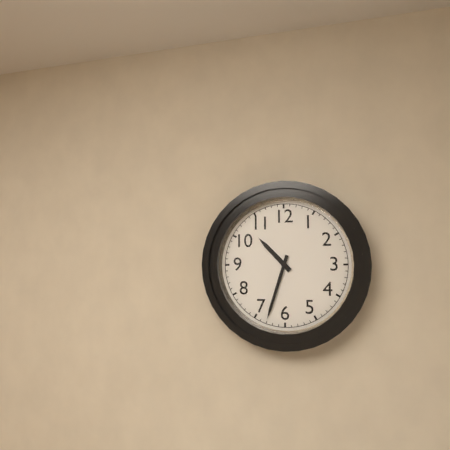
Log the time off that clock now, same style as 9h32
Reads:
10h33
